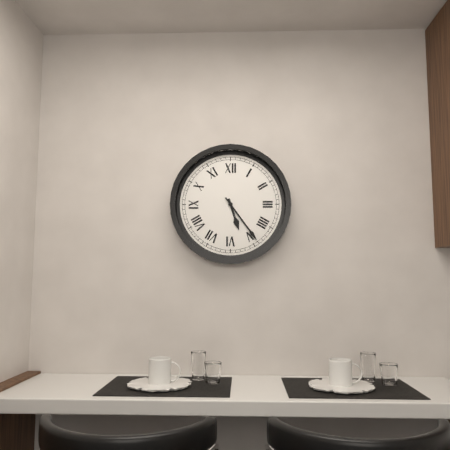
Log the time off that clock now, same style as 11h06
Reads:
5h24
